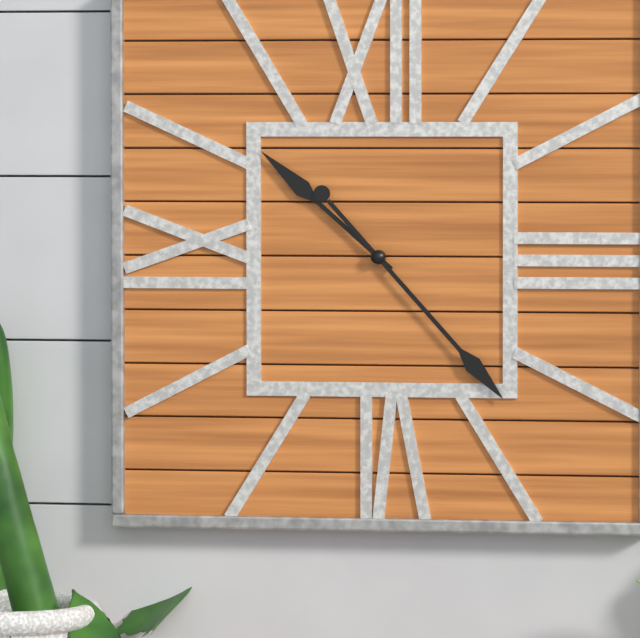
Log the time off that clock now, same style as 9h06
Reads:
10h23
